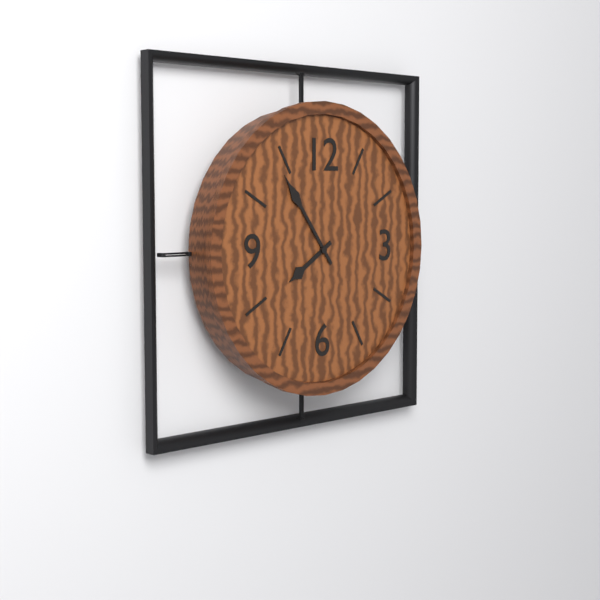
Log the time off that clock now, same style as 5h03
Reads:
7h54
